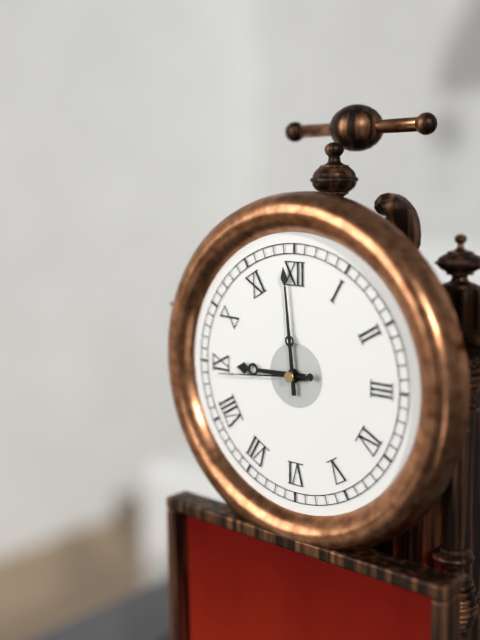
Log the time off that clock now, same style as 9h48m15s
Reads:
8h59m44s
